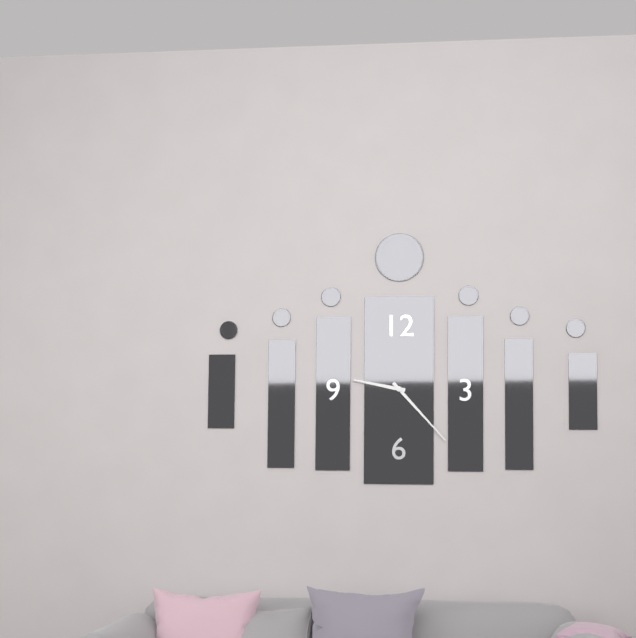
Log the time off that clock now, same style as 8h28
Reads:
9h23
